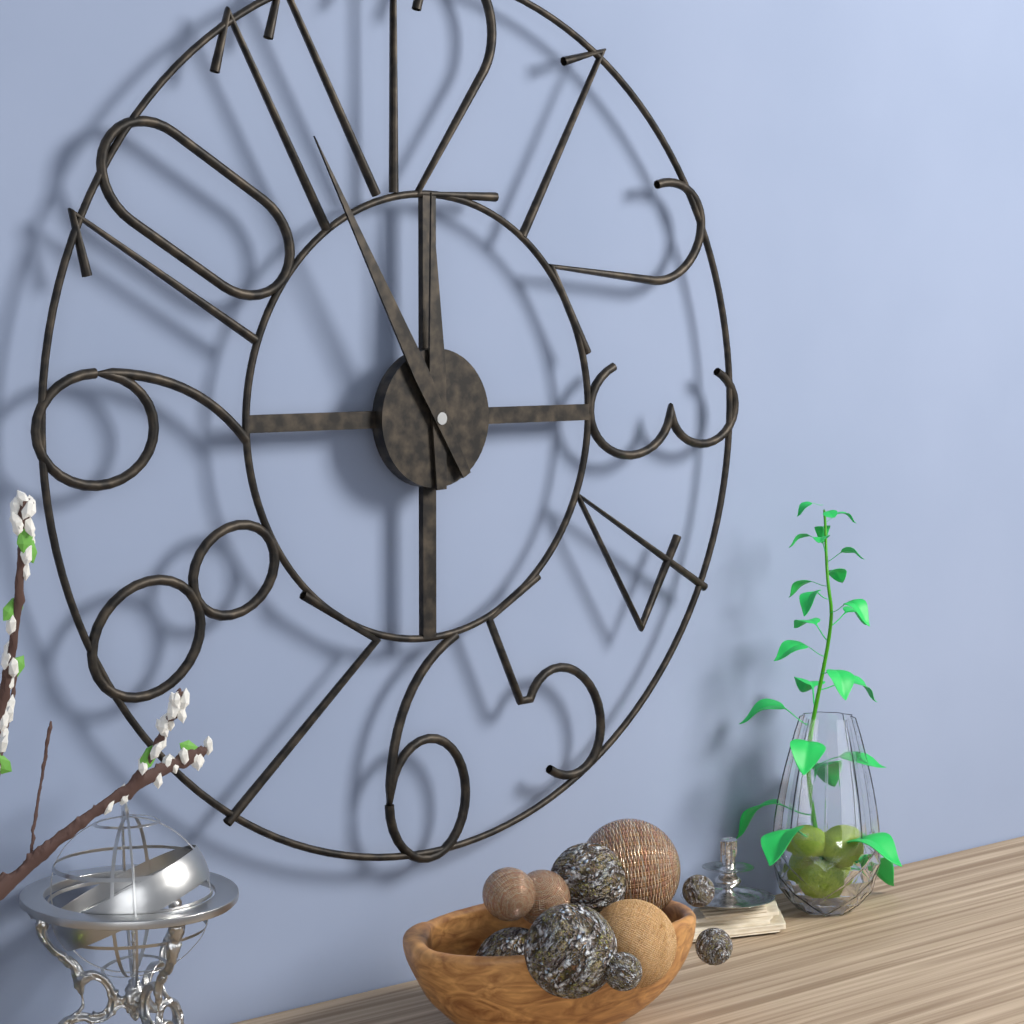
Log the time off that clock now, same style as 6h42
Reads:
11h55
